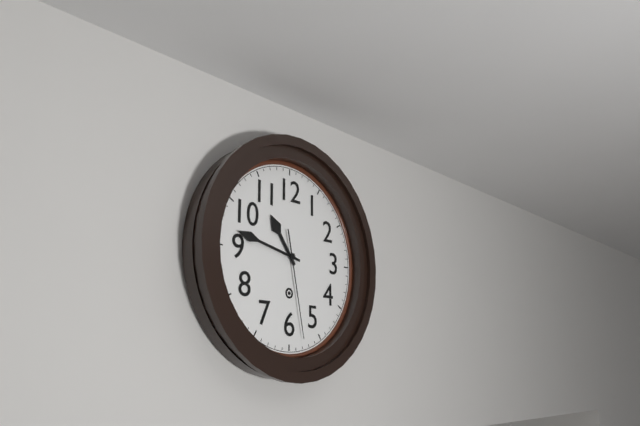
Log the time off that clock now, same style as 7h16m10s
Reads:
10h47m28s
